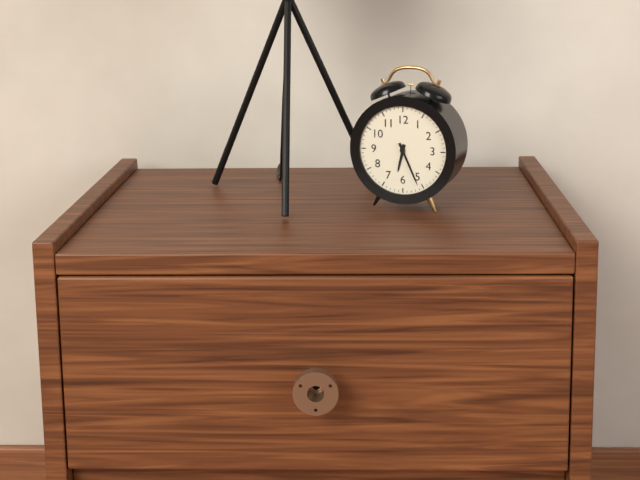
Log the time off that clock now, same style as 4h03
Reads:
6h26
